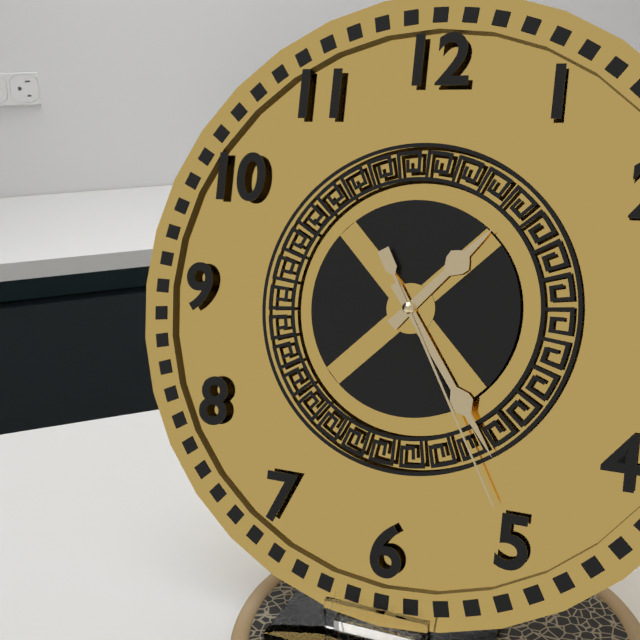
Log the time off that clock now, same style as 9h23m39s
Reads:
1h24m25s
